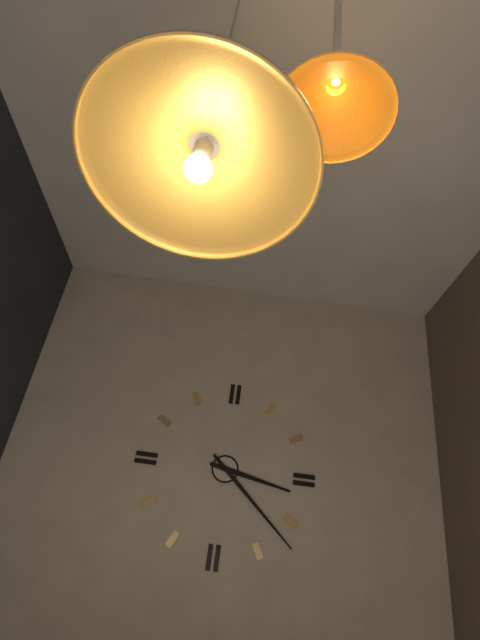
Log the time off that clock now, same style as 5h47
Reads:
3h22
